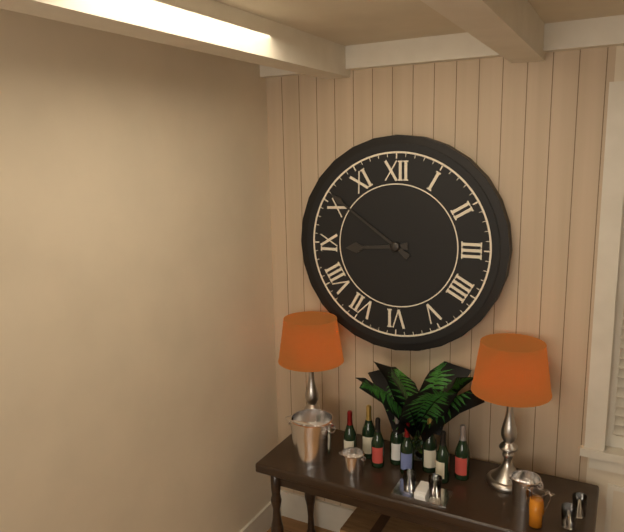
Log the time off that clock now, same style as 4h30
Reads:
8h51
